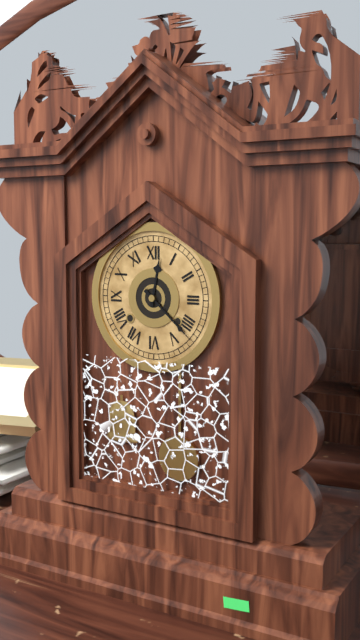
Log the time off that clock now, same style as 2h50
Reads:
12h22
